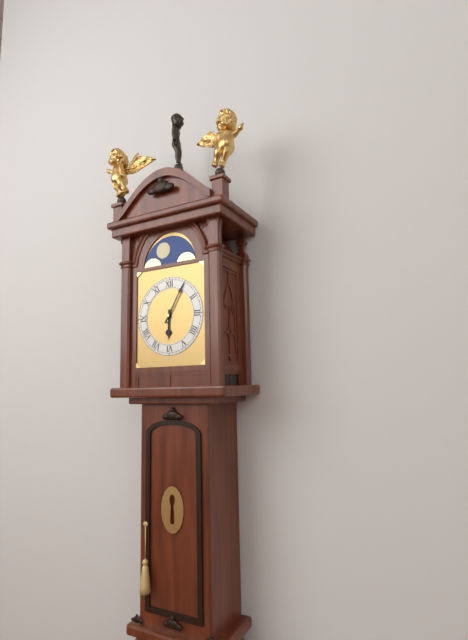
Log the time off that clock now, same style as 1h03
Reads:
6h05
